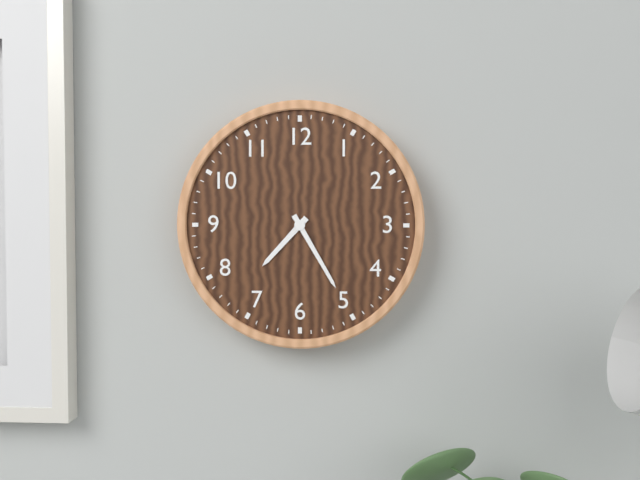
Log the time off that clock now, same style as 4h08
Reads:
7h25
